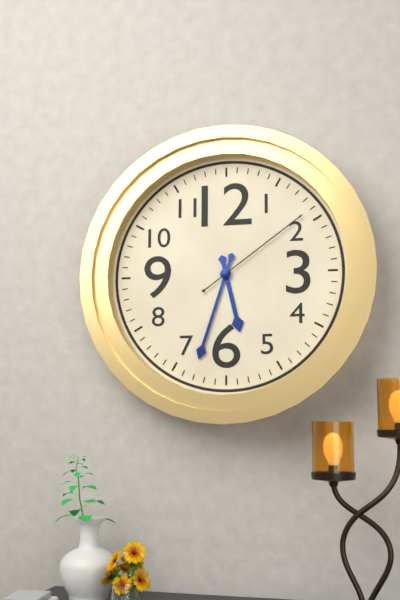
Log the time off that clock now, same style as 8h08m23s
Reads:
5h33m09s
